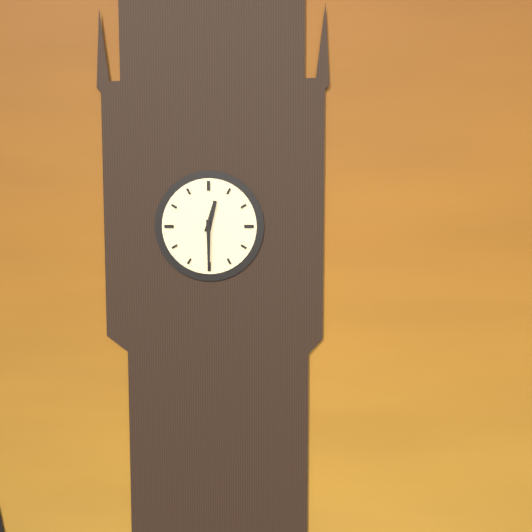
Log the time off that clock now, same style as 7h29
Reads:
12h30
